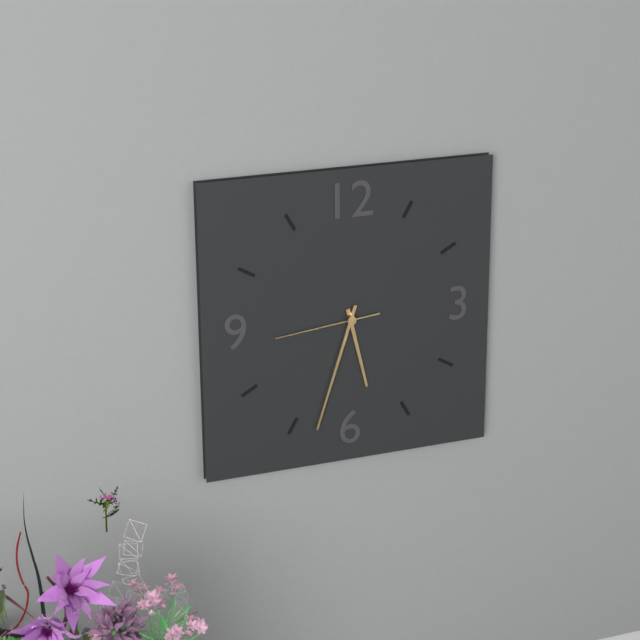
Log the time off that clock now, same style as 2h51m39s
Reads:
5h33m44s
